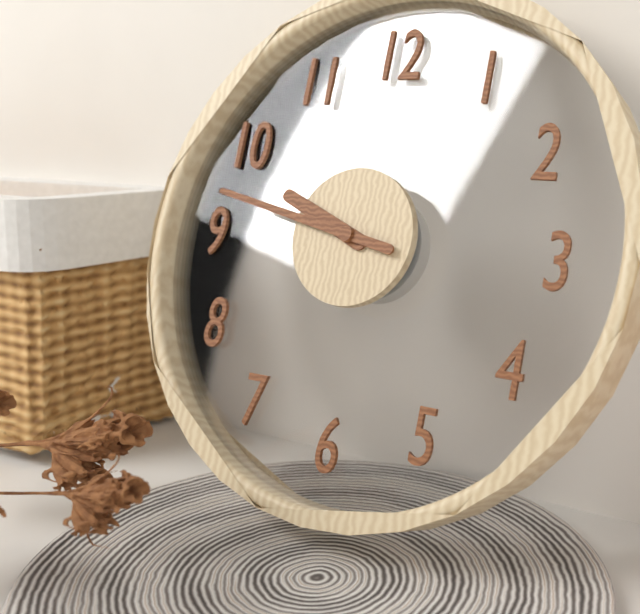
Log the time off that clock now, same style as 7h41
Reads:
9h47
